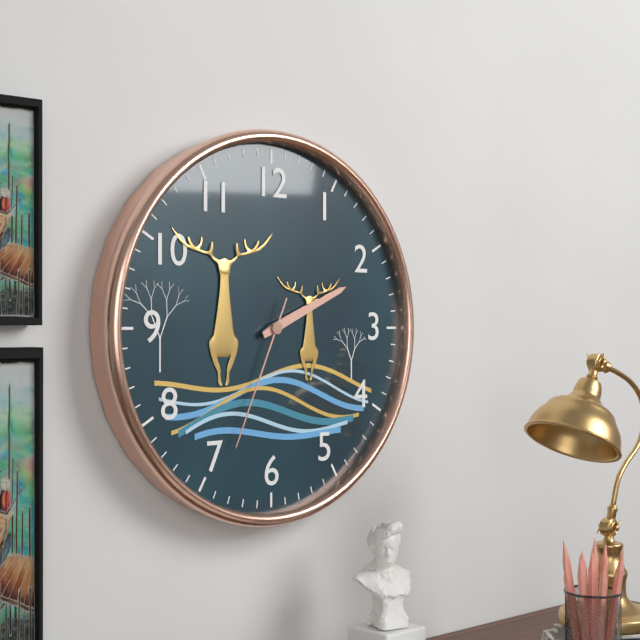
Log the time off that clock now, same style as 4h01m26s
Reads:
2h11m34s
